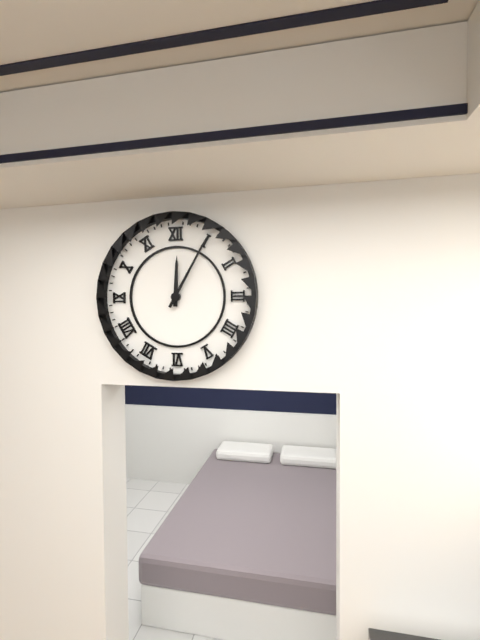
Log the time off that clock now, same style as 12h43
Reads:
12h05
